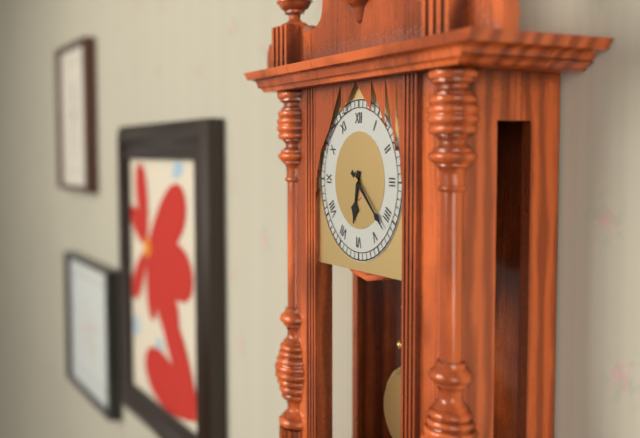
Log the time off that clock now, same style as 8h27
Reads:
6h22
